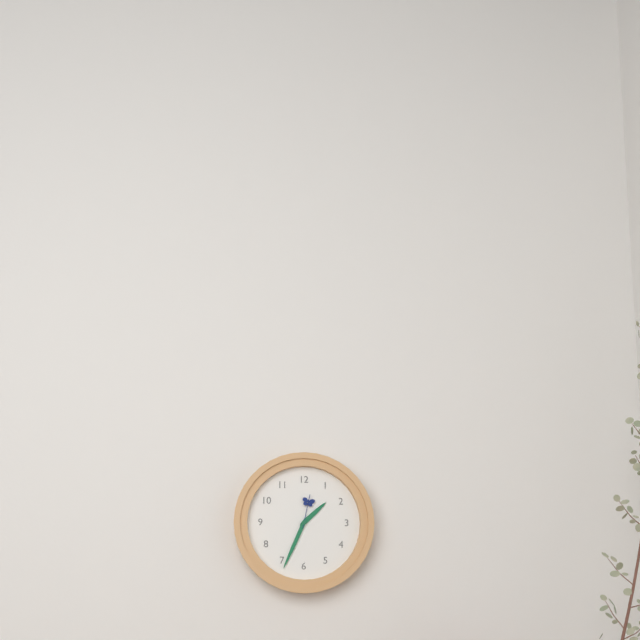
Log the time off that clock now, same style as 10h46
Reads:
1h34
